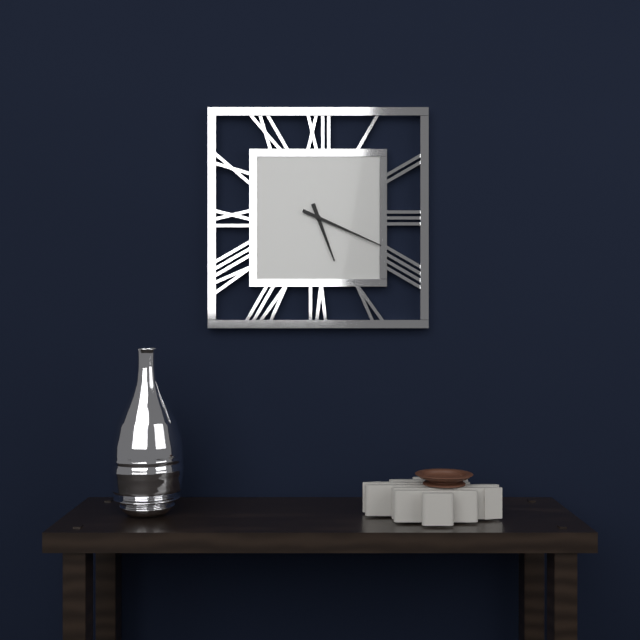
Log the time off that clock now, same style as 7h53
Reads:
5h19
